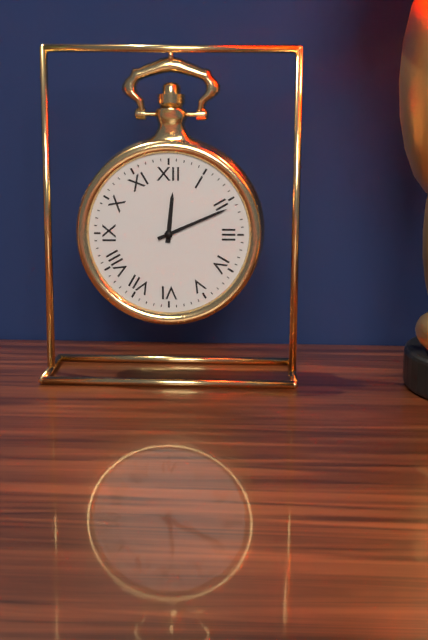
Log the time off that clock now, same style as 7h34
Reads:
12h11
